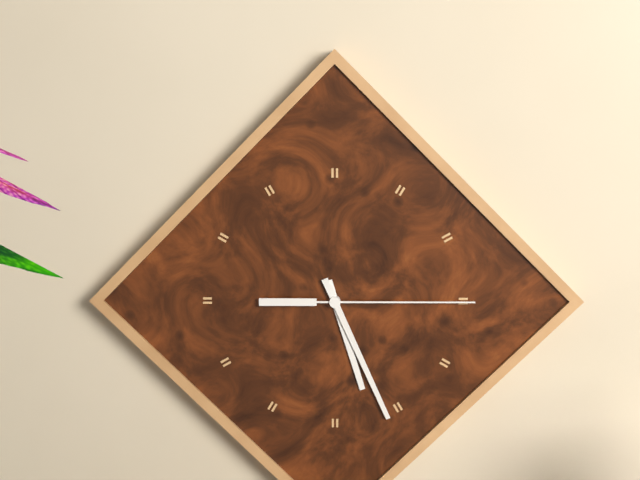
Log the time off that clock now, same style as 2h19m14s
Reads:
5h26m15s
